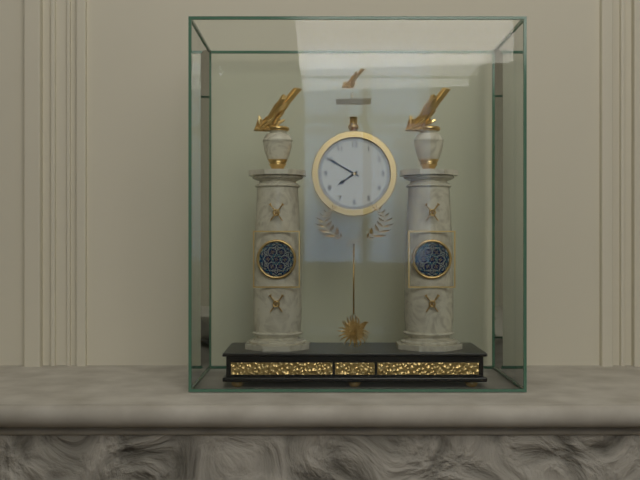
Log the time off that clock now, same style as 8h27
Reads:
7h50
